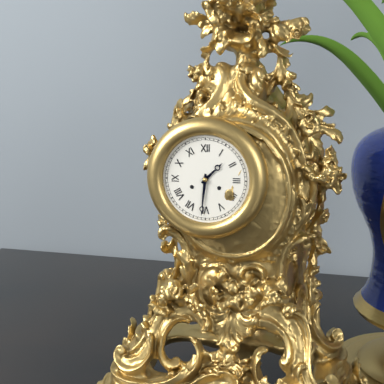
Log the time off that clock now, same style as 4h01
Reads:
1h31
